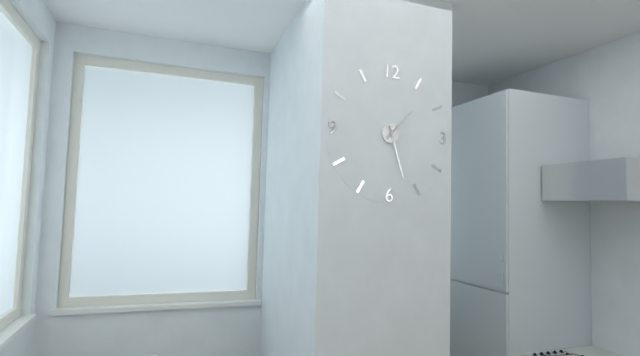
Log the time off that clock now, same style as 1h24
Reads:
1h27
